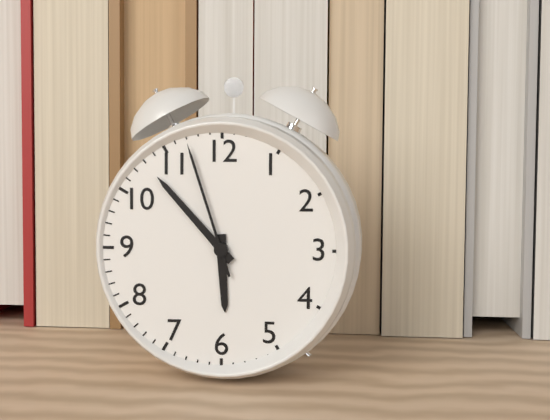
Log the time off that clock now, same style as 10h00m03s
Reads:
5h53m57s
